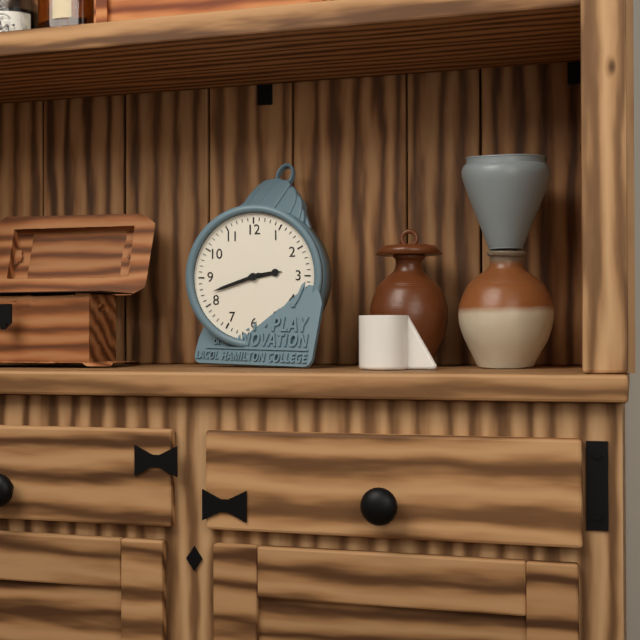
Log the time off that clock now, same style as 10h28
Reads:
2h42
